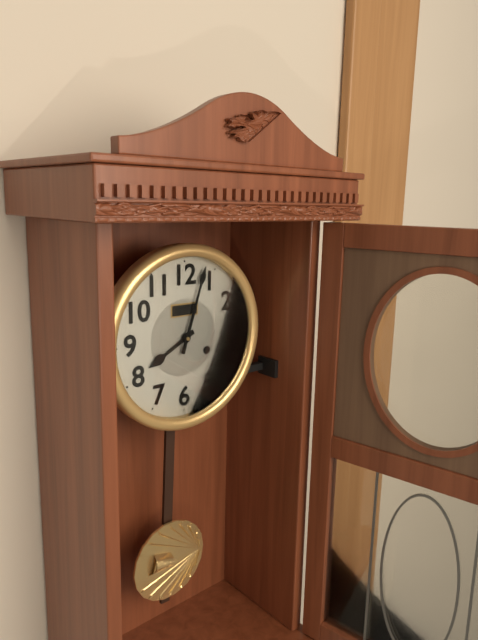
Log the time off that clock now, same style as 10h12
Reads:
8h03
